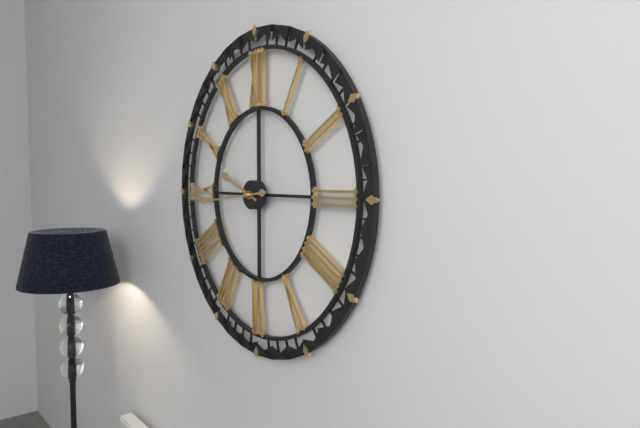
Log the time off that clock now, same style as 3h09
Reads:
9h44
